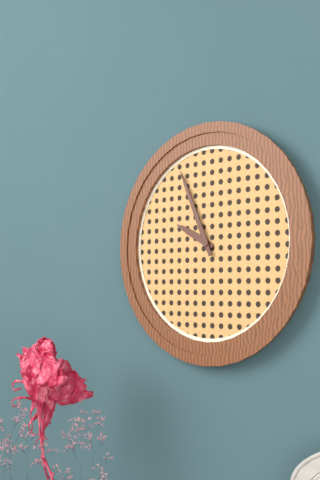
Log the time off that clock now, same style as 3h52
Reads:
9h56
